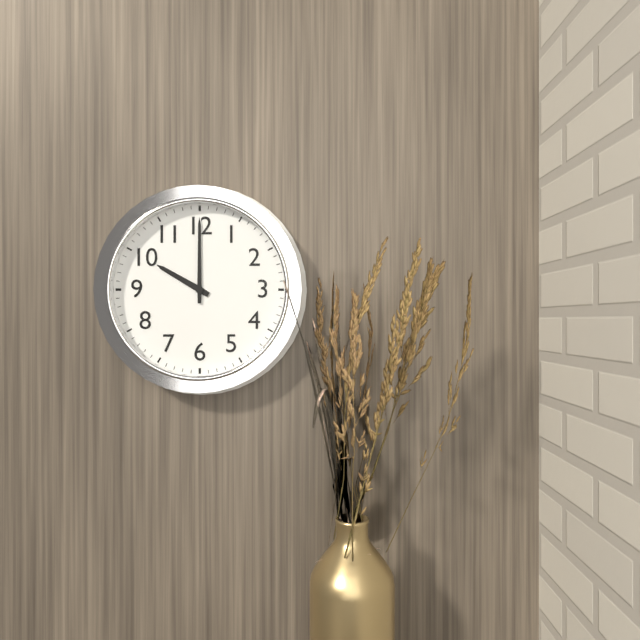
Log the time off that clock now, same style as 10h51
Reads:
10h00
